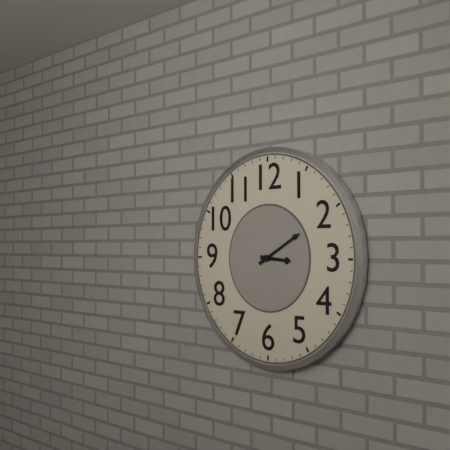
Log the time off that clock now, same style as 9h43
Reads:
3h10
